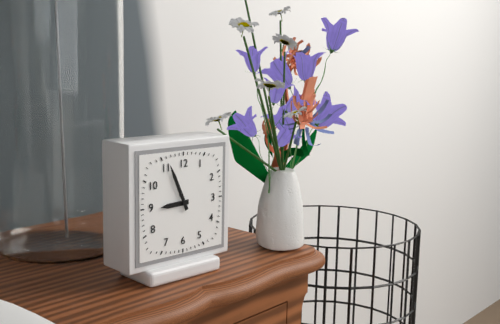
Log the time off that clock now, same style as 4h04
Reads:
8h56
